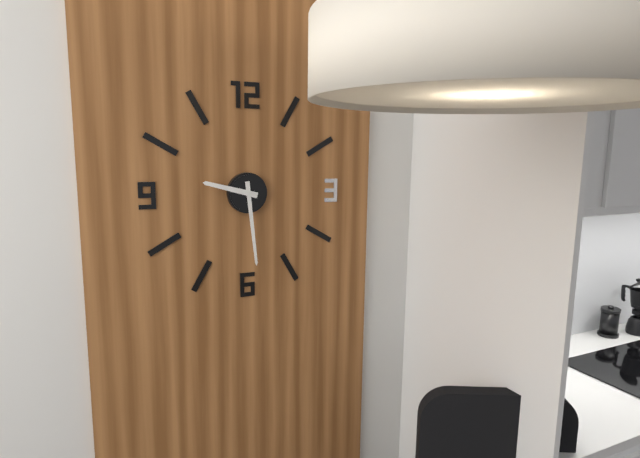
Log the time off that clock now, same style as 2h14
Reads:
9h29
